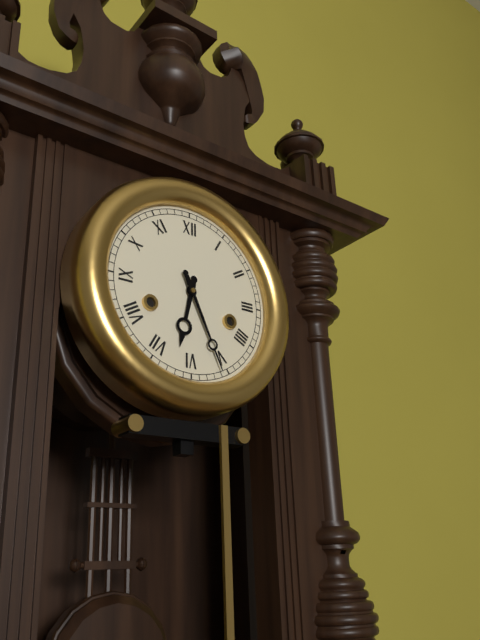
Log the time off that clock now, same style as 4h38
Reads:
6h26
